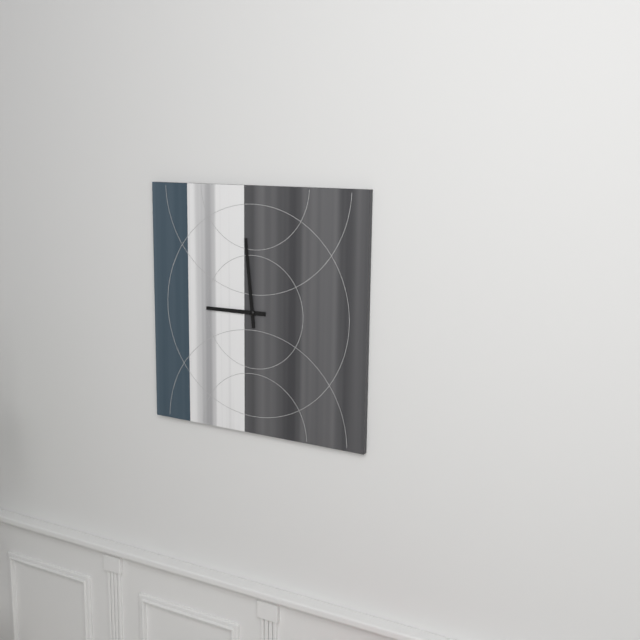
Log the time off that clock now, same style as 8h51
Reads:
8h59
